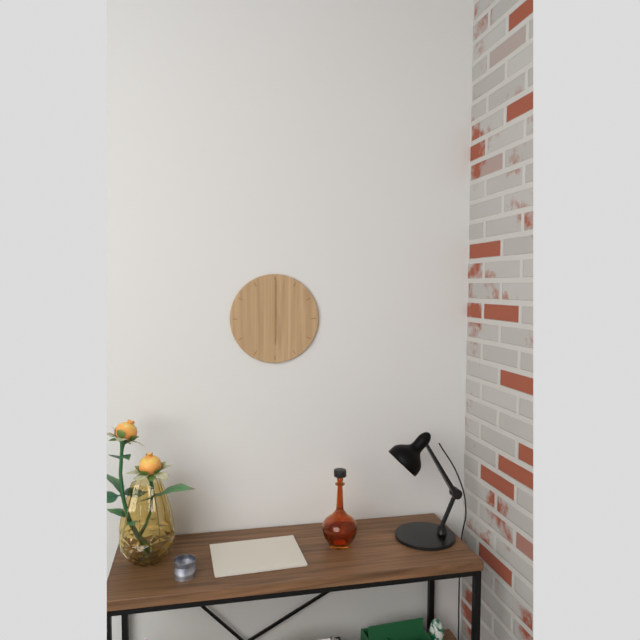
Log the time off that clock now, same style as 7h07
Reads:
6h00
